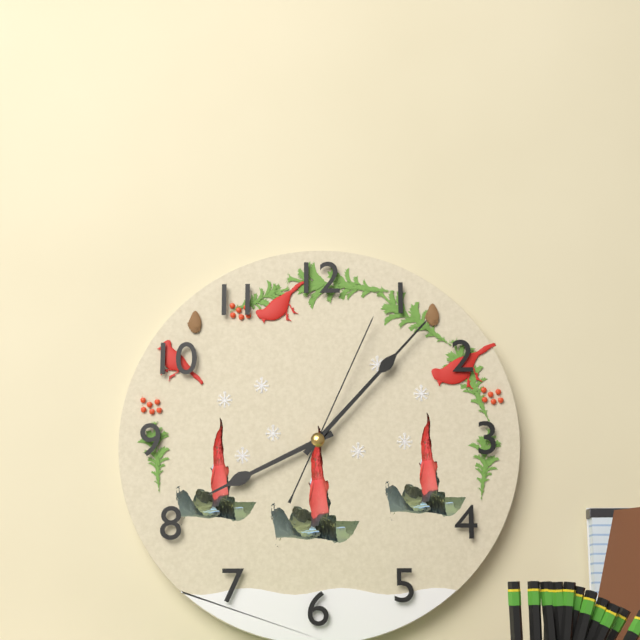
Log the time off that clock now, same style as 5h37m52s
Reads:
8h07m04s
